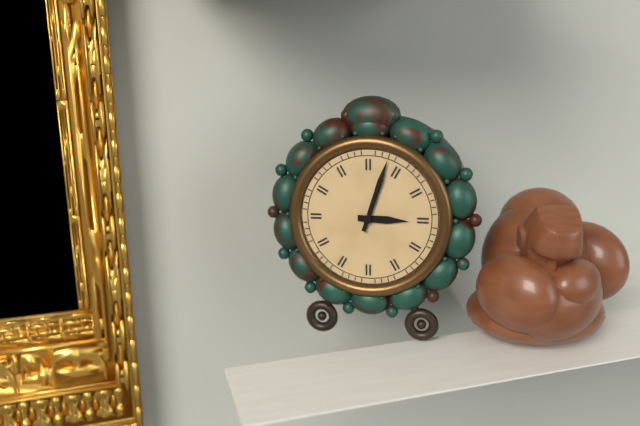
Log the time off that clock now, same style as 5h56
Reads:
3h03
